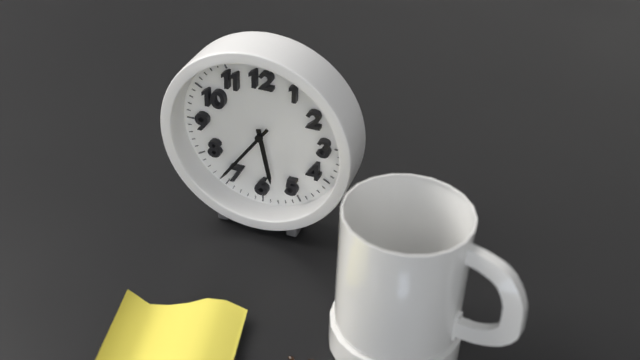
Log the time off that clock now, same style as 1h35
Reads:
5h36
